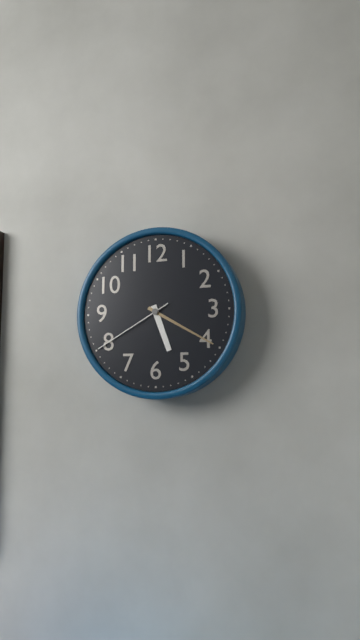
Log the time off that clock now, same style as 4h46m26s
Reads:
5h20m40s
